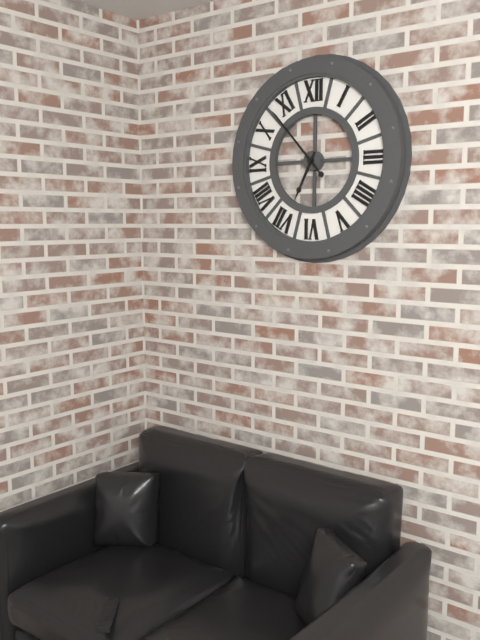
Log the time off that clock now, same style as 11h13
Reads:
6h53
